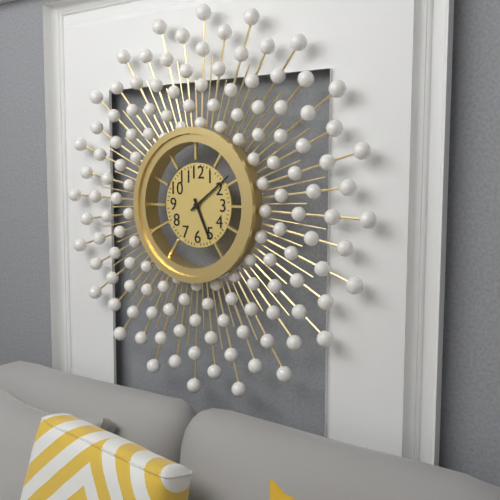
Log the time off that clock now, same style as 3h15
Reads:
5h09
